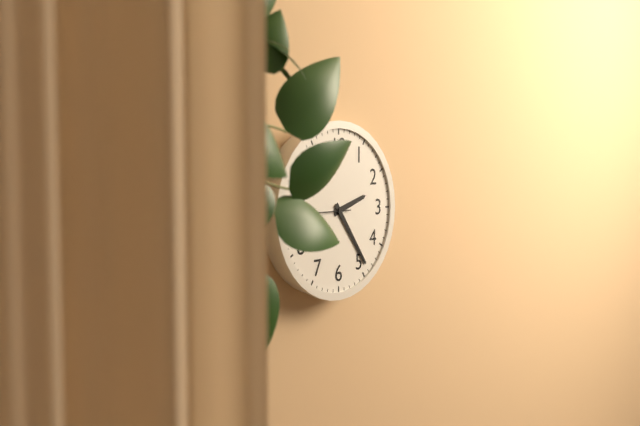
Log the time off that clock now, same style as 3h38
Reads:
2h24
